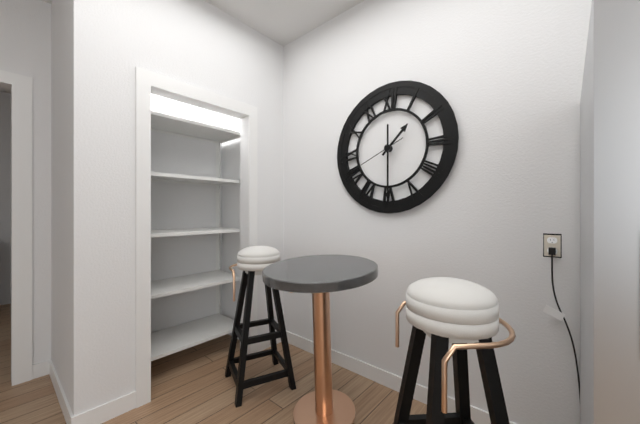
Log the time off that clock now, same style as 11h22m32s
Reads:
1h30m41s
